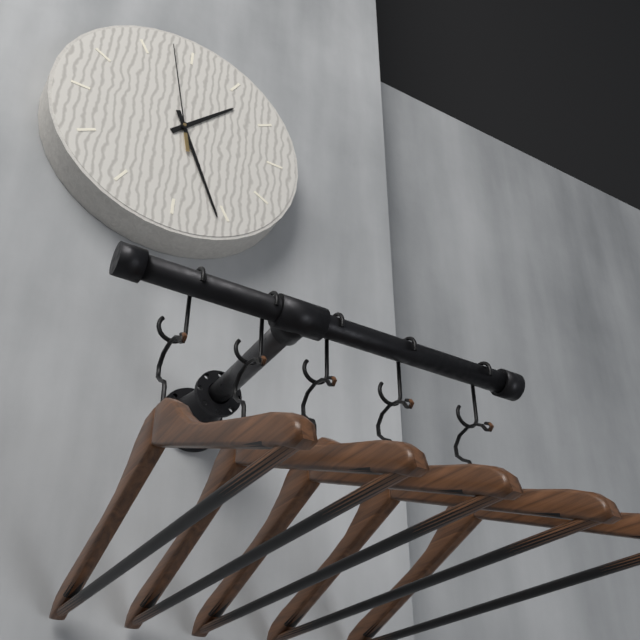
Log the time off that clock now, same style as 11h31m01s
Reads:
1h26m58s
